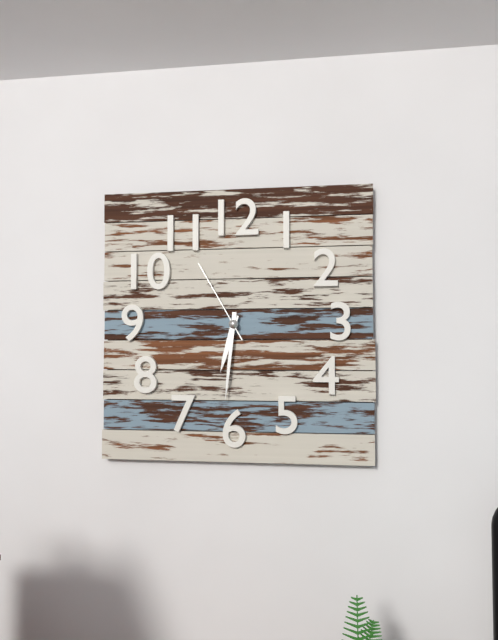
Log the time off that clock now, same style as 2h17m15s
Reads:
6h31m55s
